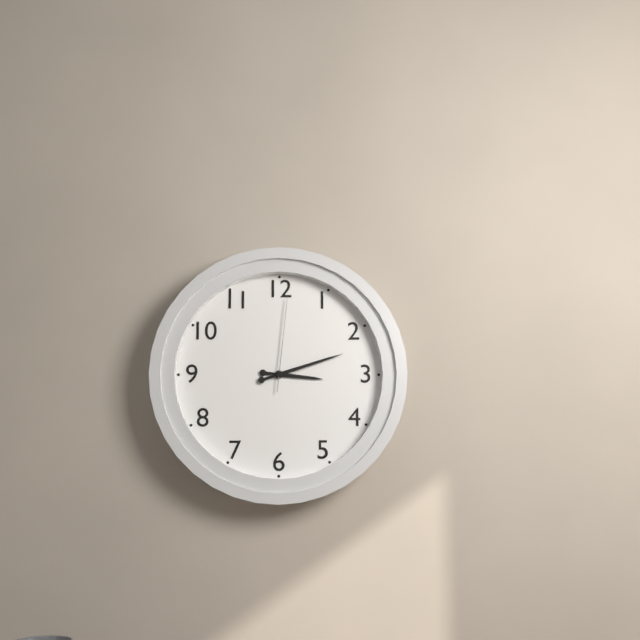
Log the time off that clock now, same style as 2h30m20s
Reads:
3h12m01s
